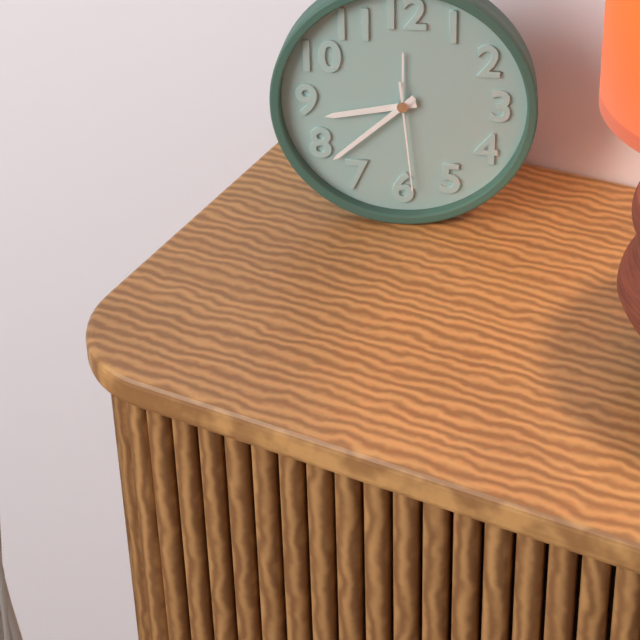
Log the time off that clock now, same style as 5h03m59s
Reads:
8h38m29s
